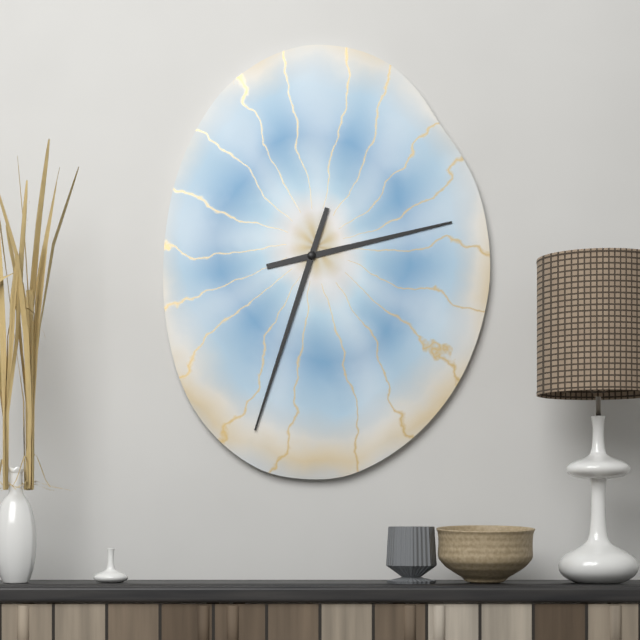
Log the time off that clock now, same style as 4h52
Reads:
2h33
